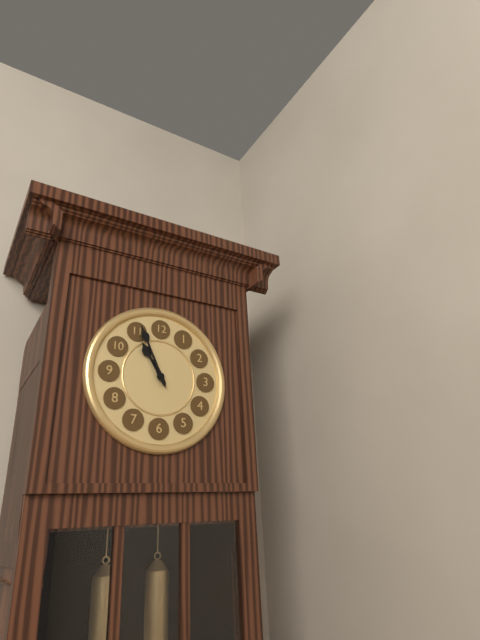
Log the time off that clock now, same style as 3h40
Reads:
10h56
